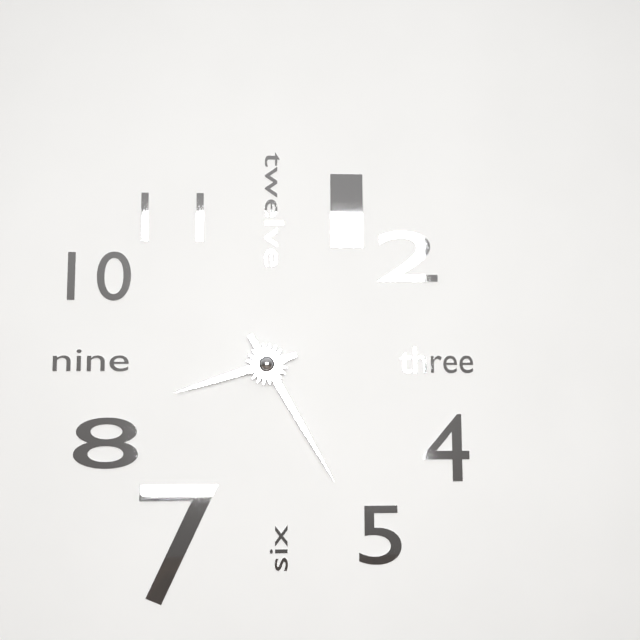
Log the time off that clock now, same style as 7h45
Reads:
8h25
